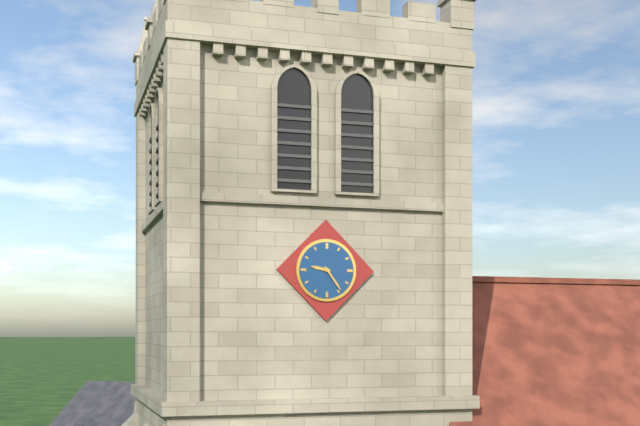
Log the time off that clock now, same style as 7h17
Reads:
9h24
